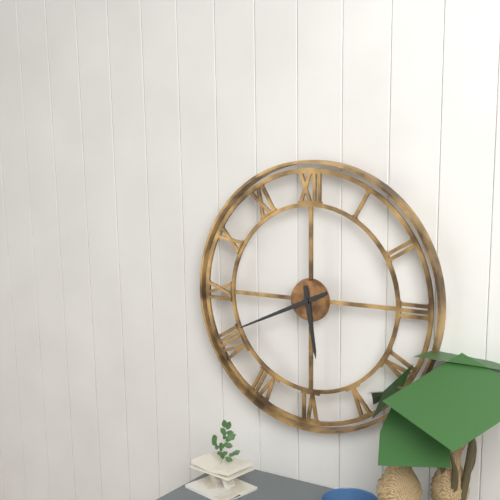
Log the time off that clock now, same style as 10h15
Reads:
5h41
